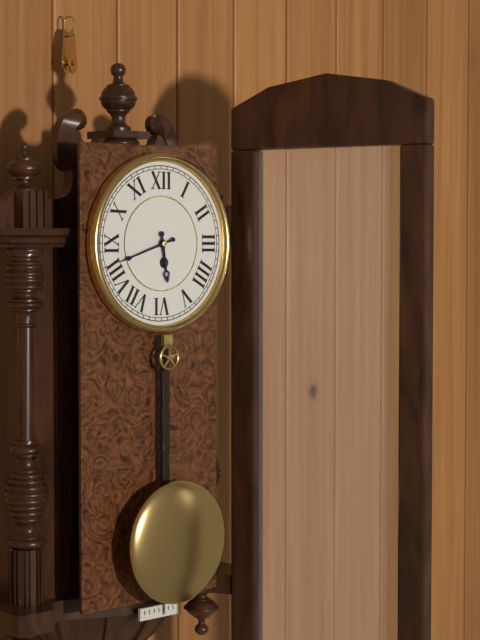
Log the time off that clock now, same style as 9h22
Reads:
5h42
